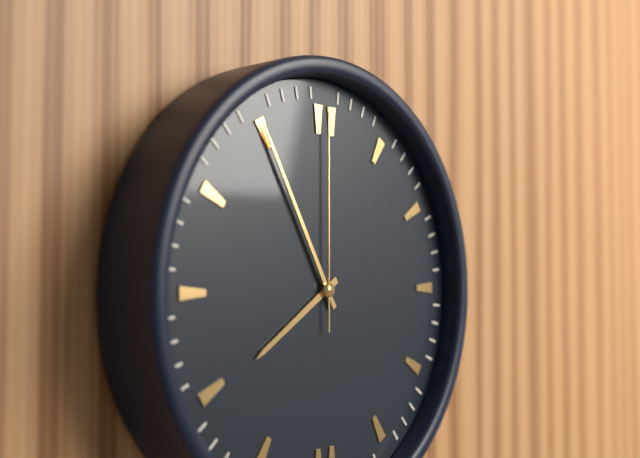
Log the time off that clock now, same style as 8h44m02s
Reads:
7h55m00s
